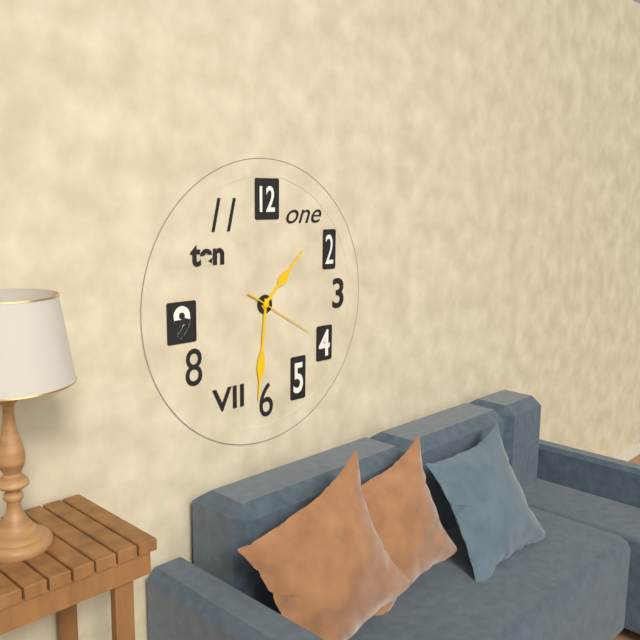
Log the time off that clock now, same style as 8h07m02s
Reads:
1h31m20s
